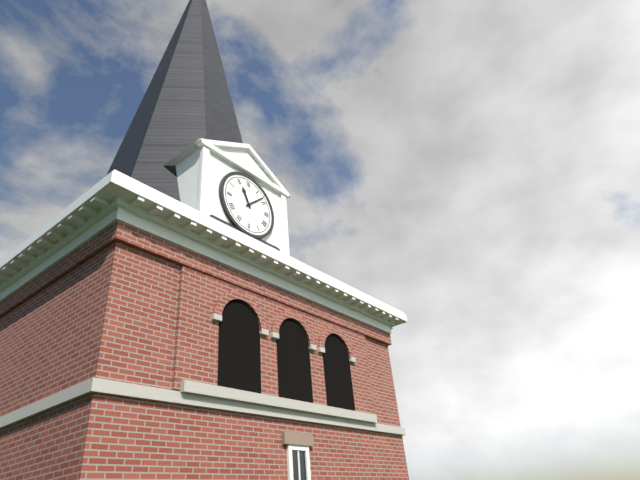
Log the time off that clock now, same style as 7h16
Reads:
11h08
